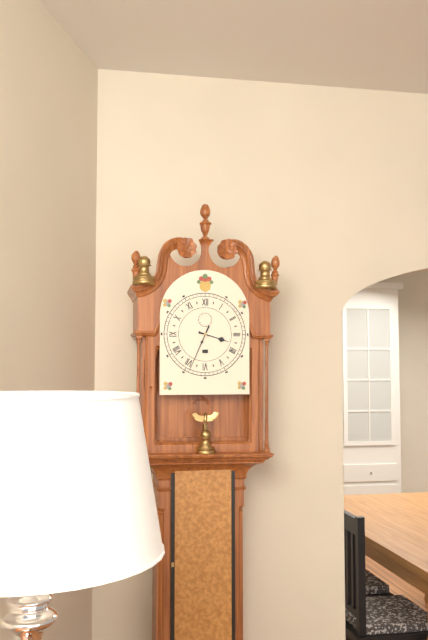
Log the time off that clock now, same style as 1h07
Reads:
3h34
